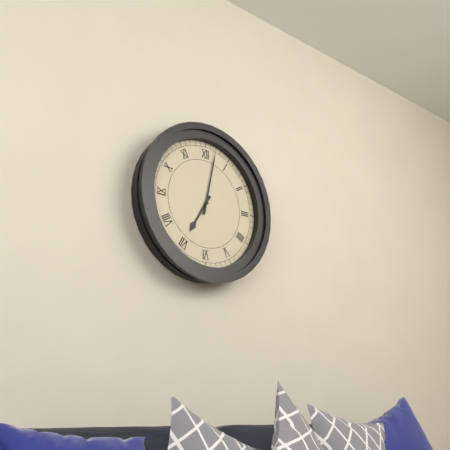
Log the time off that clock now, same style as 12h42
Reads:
7h02
